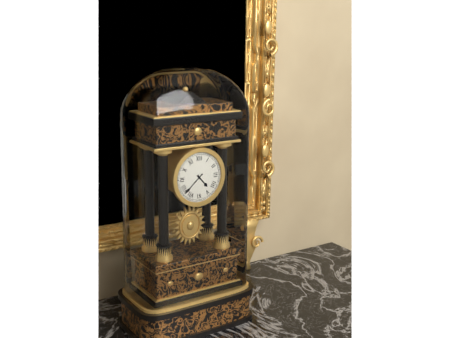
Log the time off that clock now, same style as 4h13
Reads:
4h38
